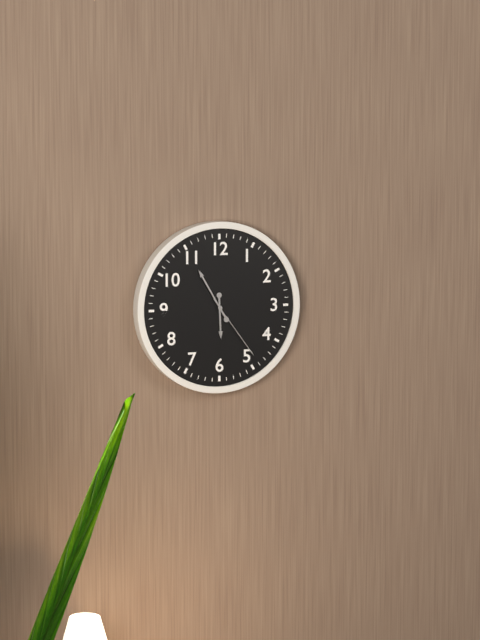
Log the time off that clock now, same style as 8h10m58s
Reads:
5h55m24s
